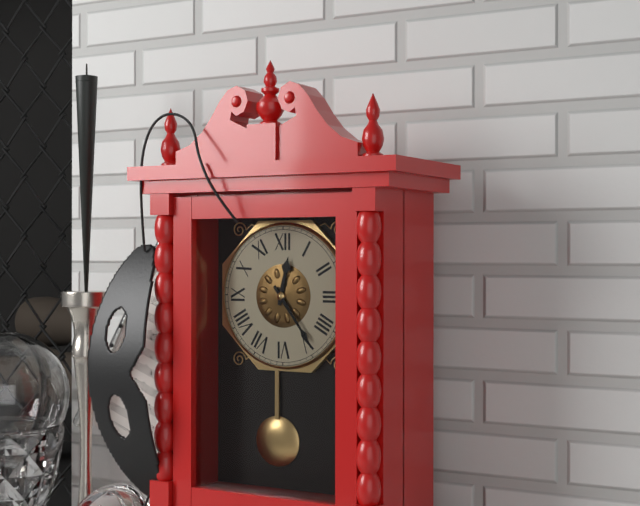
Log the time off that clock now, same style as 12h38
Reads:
12h24
